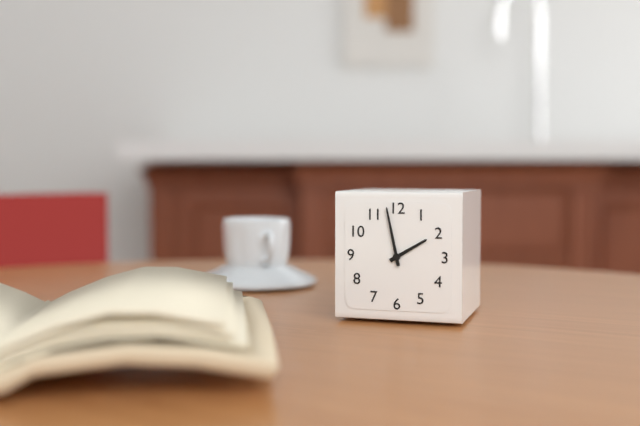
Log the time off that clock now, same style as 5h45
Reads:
1h58
